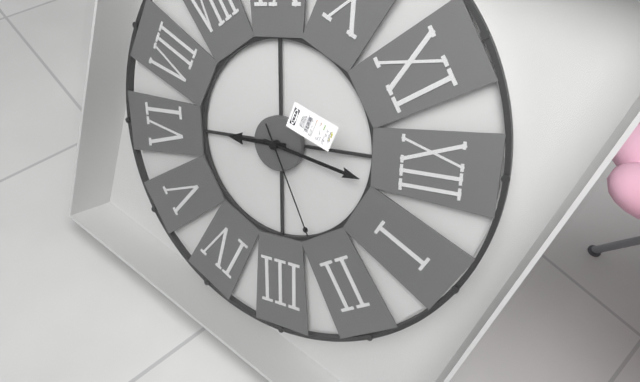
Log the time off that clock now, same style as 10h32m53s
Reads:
6h02m11s
